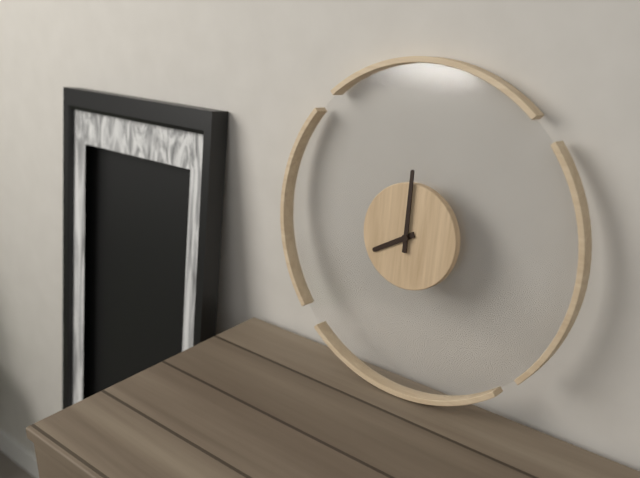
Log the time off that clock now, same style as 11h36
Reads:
8h00
